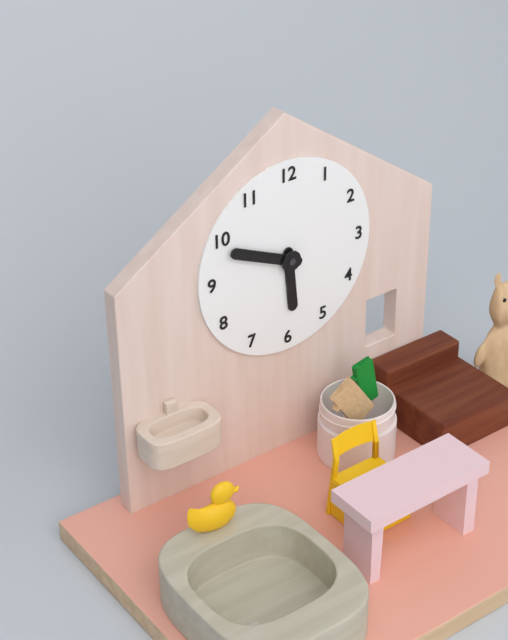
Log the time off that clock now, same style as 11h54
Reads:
5h49
